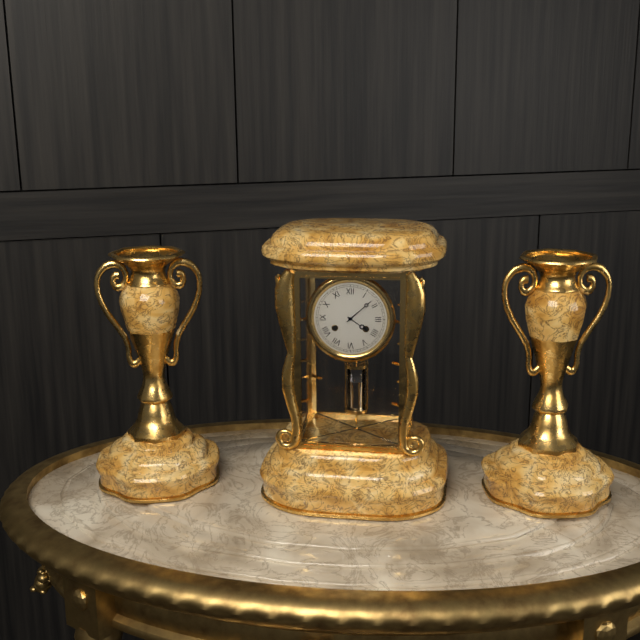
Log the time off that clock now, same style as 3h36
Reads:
4h08
